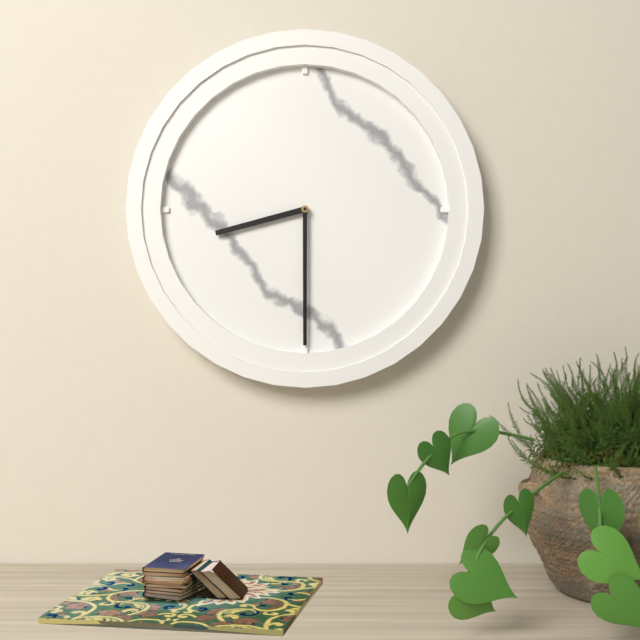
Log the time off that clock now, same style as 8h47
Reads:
8h30
